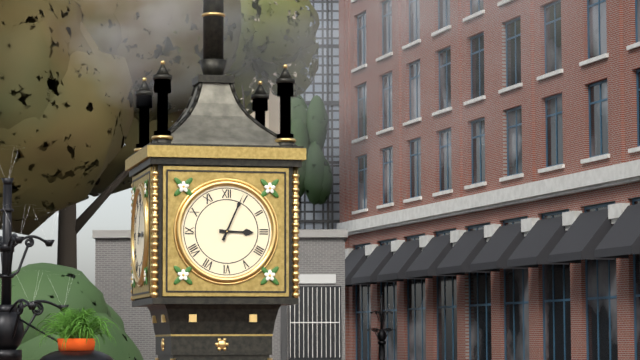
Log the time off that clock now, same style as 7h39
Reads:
3h04
